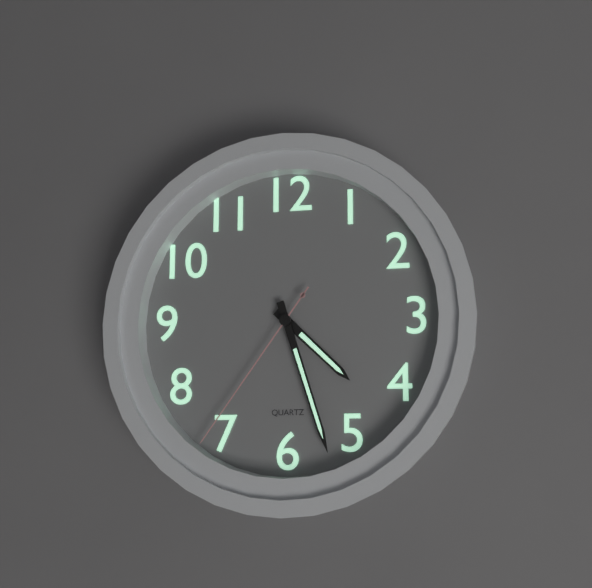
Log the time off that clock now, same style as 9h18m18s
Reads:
4h27m36s
